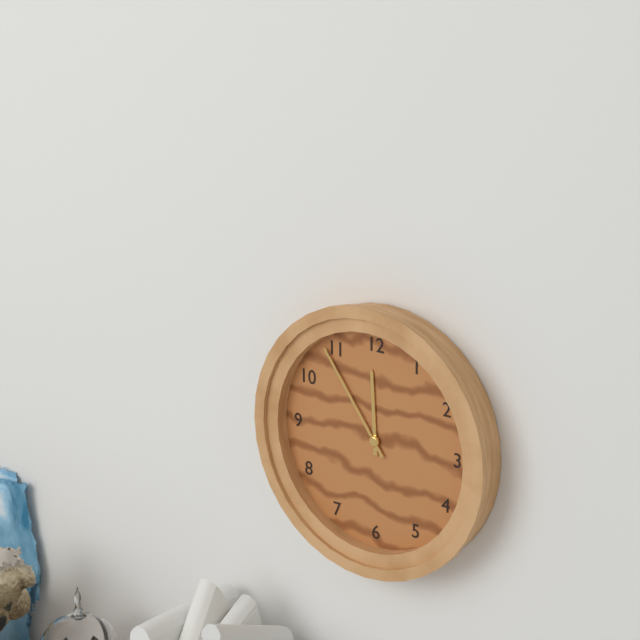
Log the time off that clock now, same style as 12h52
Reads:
11h54
